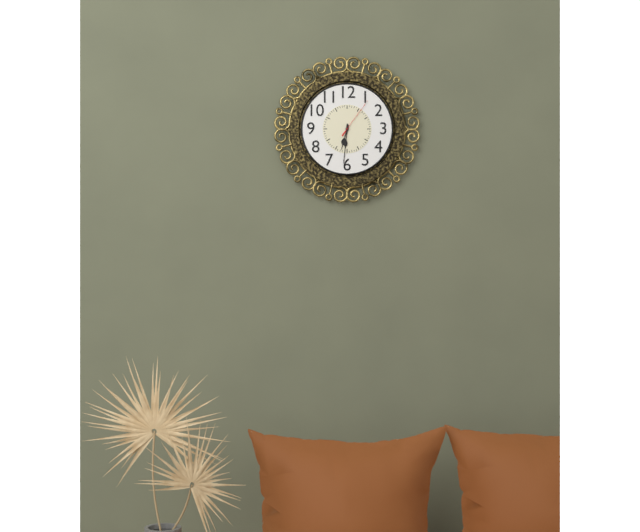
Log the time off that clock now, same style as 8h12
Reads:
6h31
